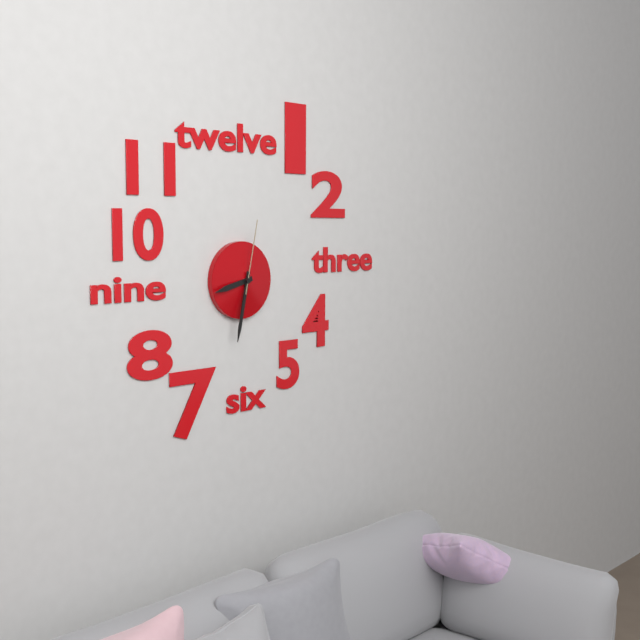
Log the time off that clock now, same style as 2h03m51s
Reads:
8h32m02s
